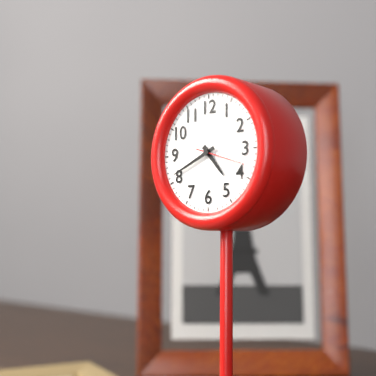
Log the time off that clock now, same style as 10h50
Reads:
4h41
